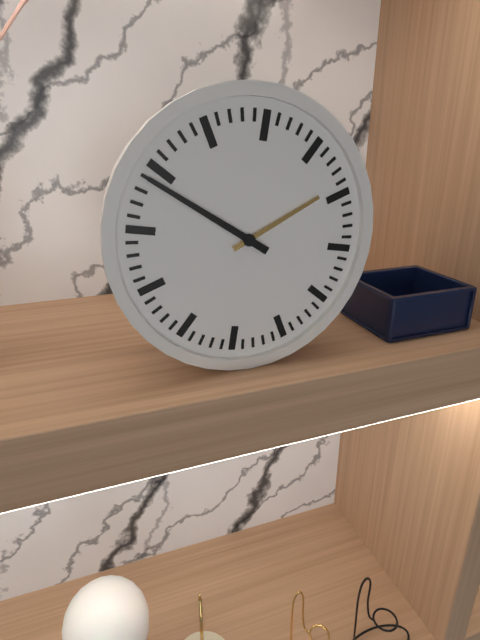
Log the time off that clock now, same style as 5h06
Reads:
1h49
